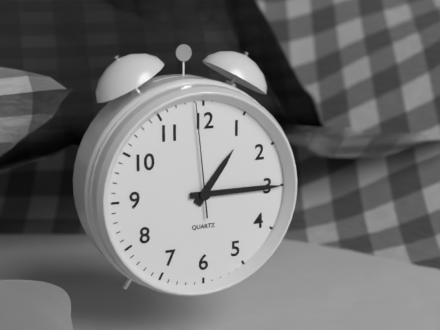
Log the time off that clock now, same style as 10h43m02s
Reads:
1h15m59s
